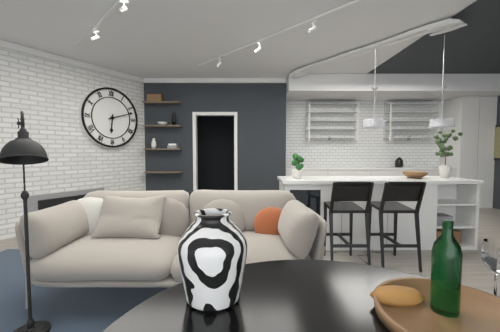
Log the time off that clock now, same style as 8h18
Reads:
6h12
